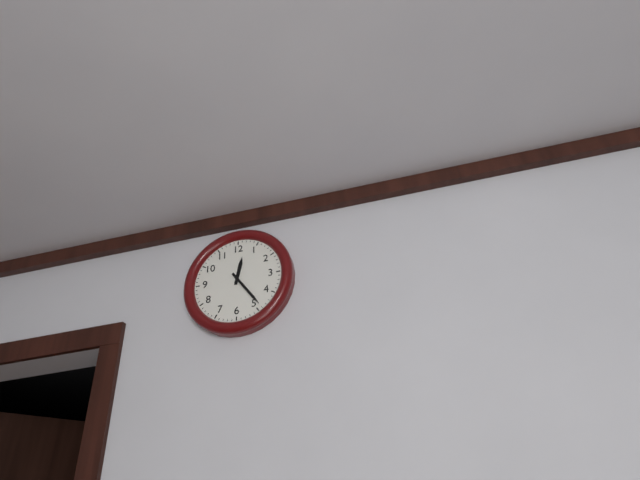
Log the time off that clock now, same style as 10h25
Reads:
12h24
